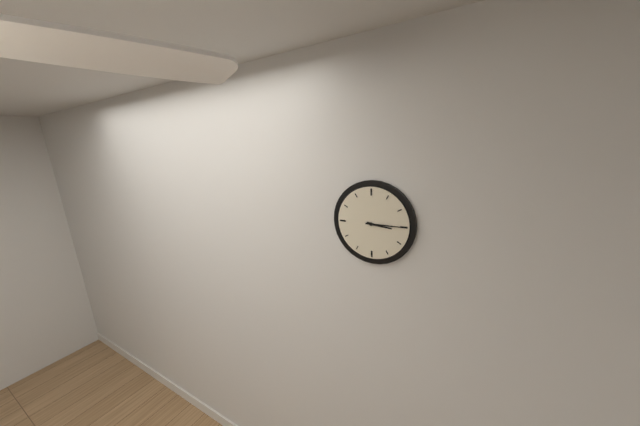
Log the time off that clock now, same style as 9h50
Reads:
3h15
